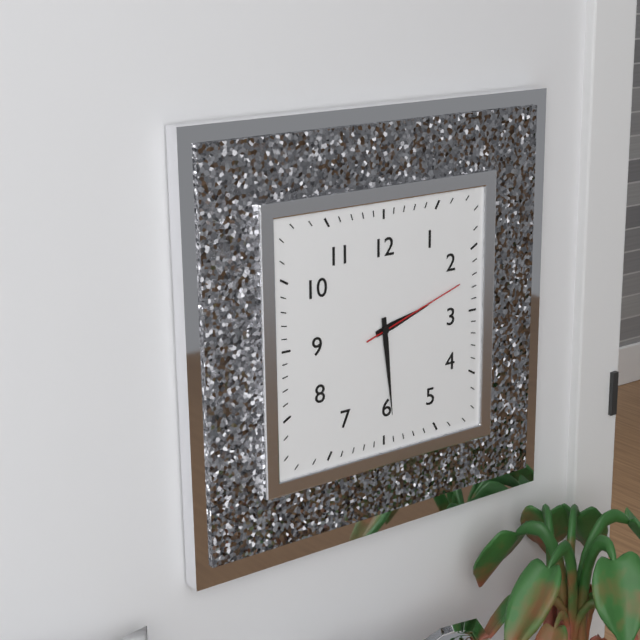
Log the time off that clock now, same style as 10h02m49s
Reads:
2h29m12s
